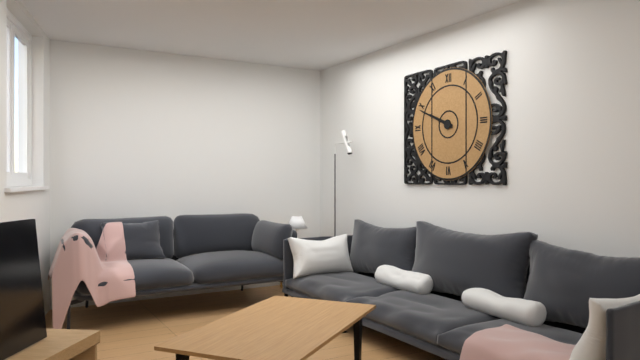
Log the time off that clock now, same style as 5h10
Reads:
9h49
